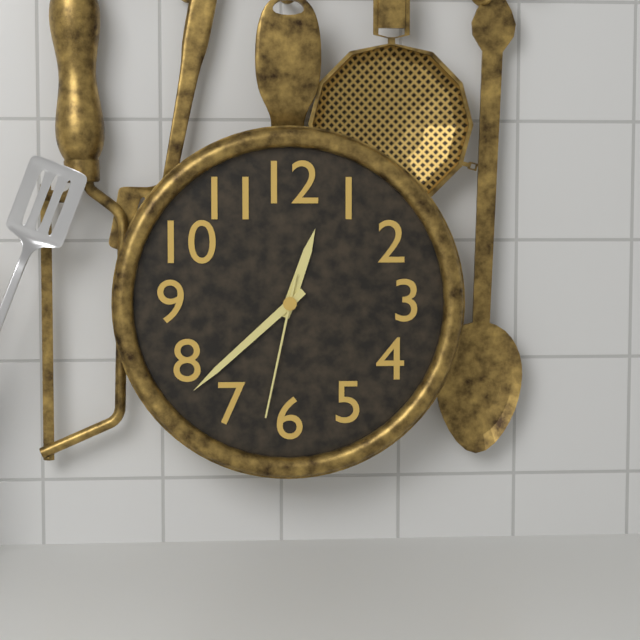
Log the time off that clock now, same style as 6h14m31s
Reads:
12h38m32s
